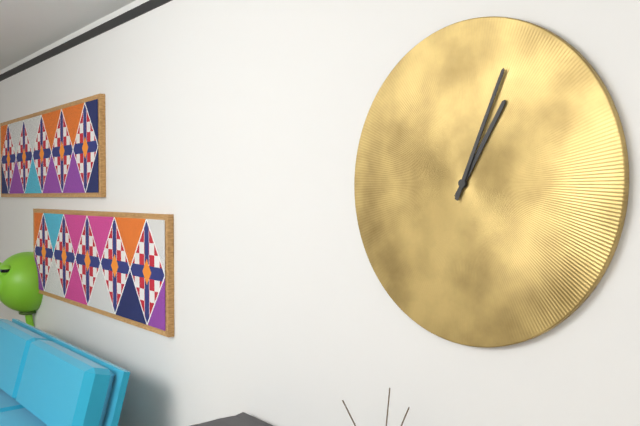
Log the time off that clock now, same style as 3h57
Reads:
1h04
